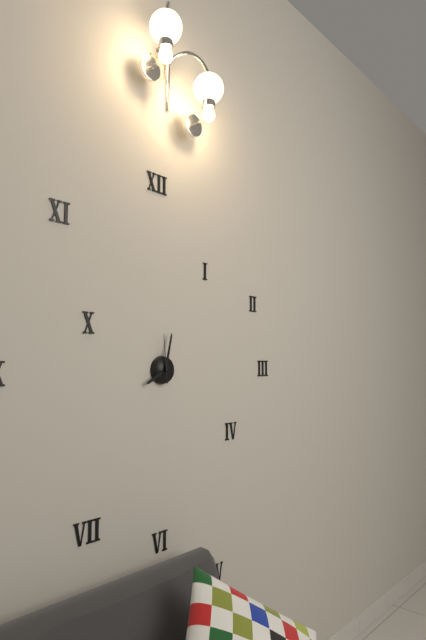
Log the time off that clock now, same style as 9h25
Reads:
8h02
